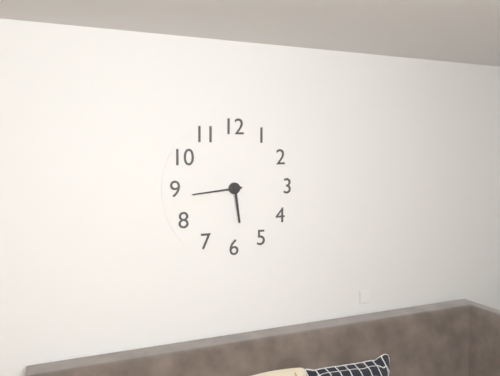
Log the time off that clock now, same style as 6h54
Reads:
5h44
